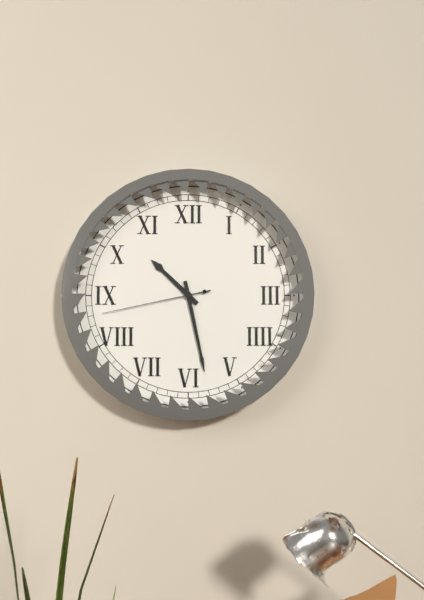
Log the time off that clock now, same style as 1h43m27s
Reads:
10h28m43s
